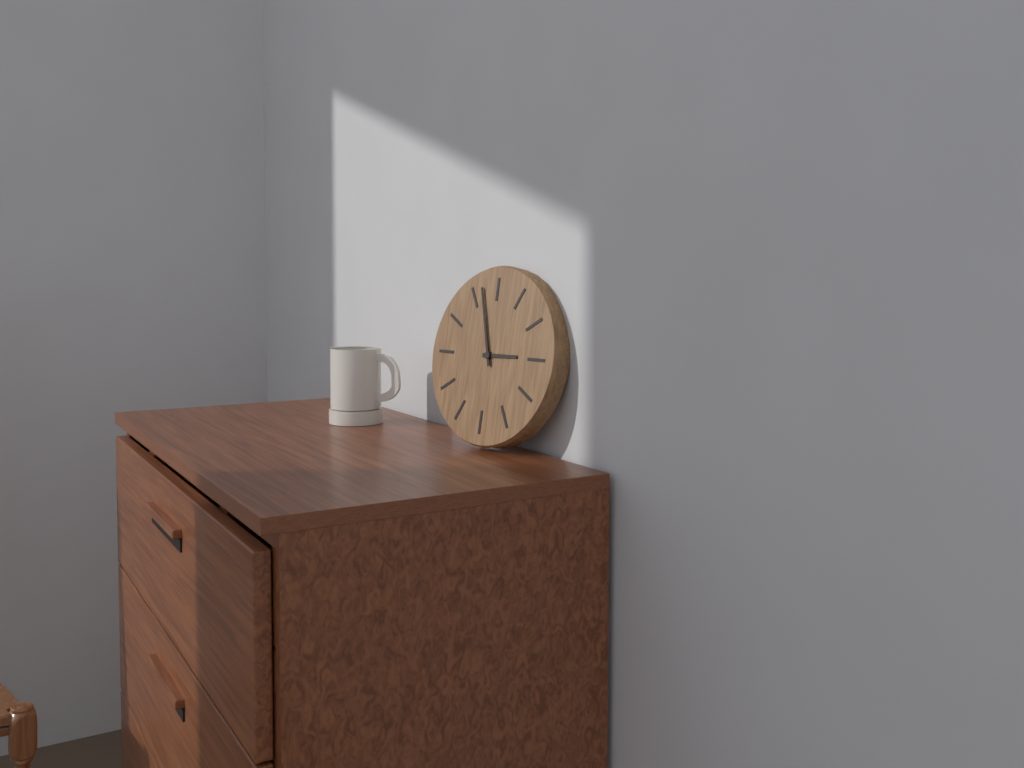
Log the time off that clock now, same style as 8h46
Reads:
2h57
